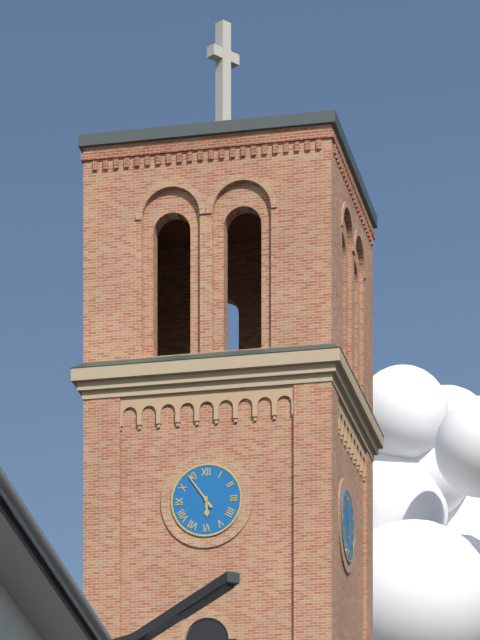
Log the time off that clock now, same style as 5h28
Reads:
5h54
